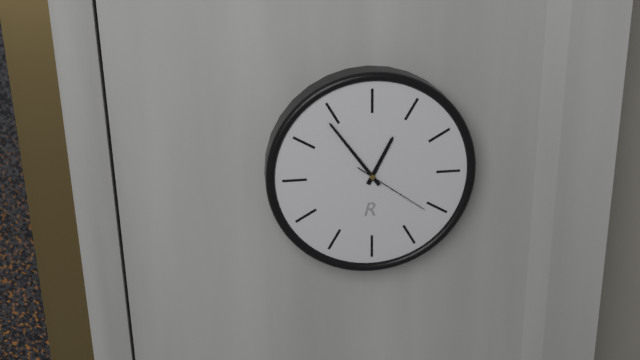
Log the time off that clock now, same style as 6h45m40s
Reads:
12h54m21s
